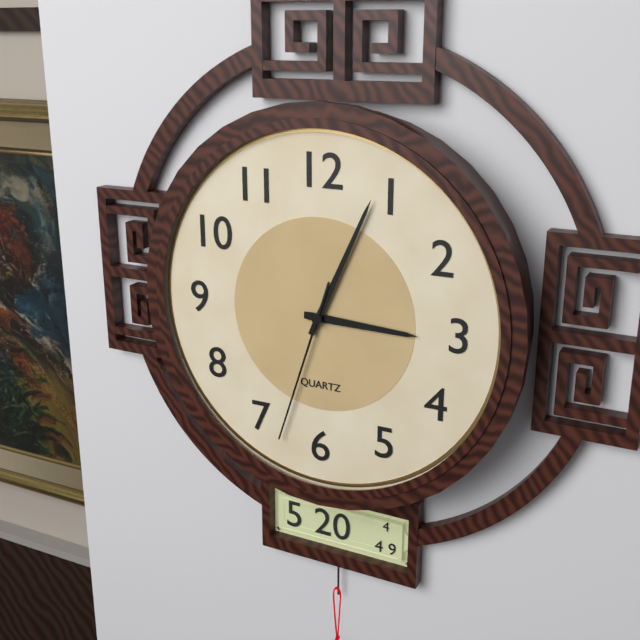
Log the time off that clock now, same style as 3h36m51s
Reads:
3h04m33s
